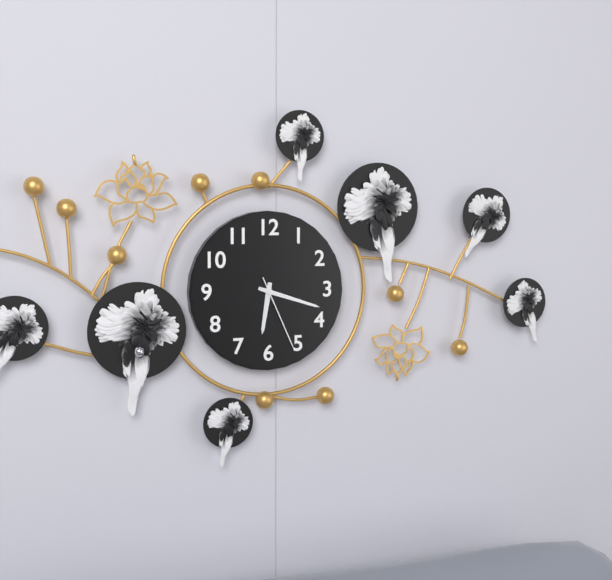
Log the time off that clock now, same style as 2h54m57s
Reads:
6h18m26s
